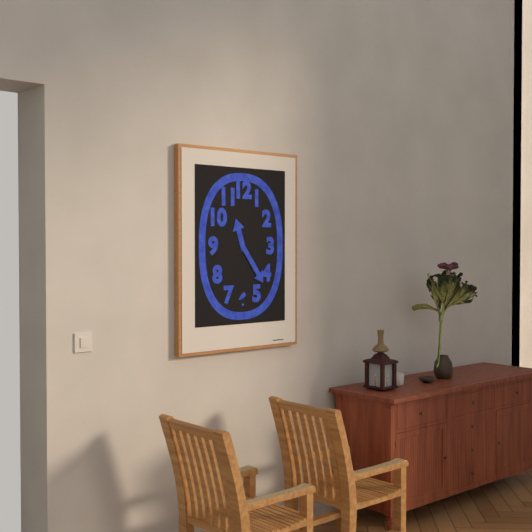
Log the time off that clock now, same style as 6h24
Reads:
11h24
